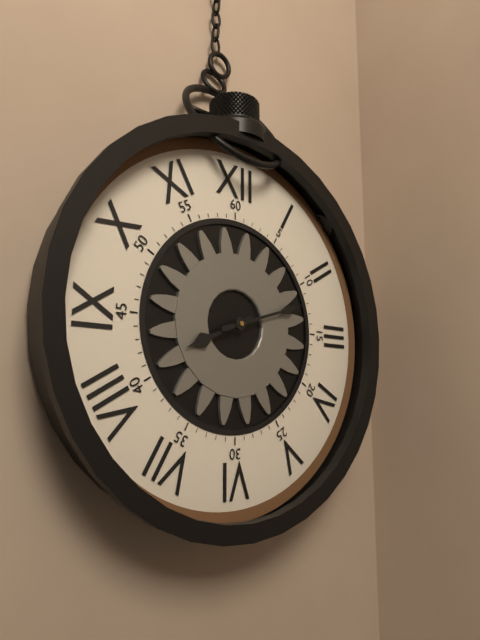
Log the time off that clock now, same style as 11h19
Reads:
8h12
